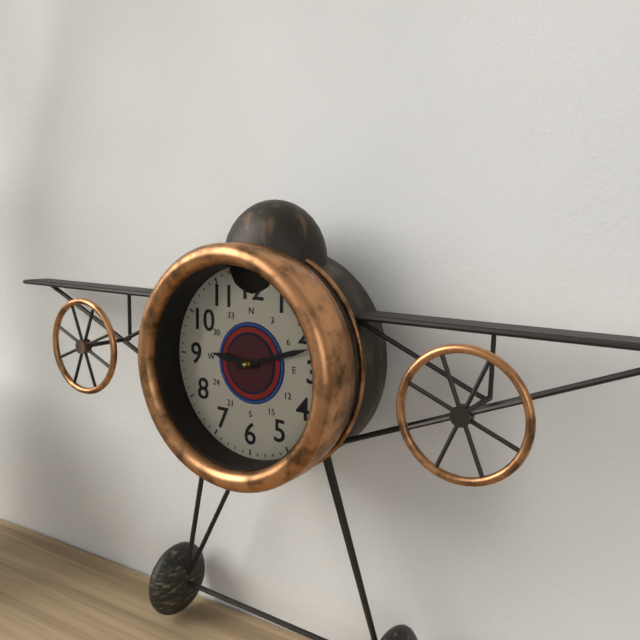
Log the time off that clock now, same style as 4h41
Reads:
9h12
